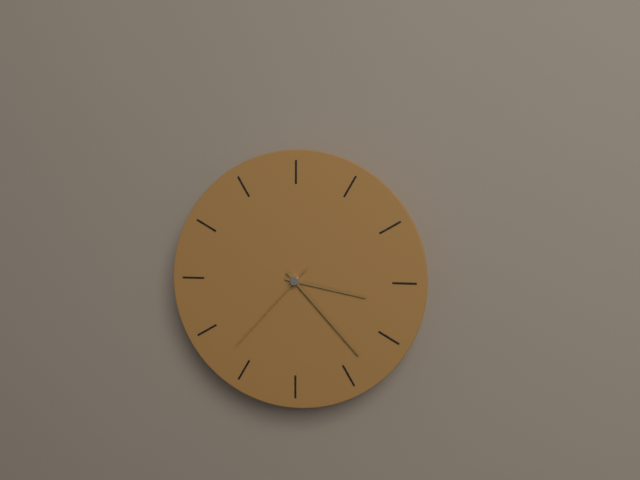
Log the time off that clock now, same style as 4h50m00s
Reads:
3h23m37s
